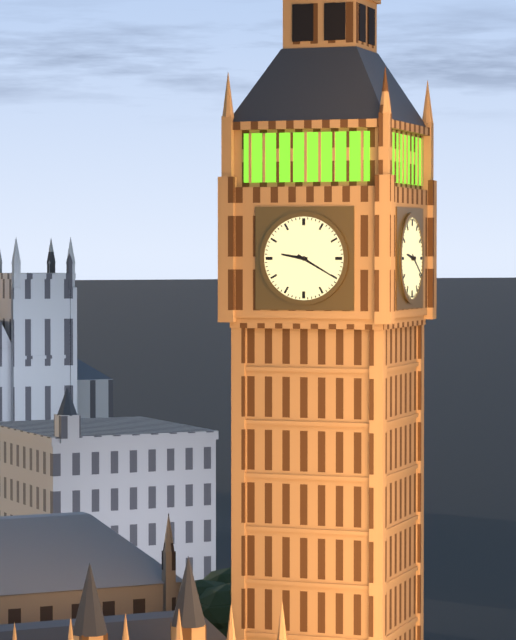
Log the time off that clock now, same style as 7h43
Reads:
9h20
